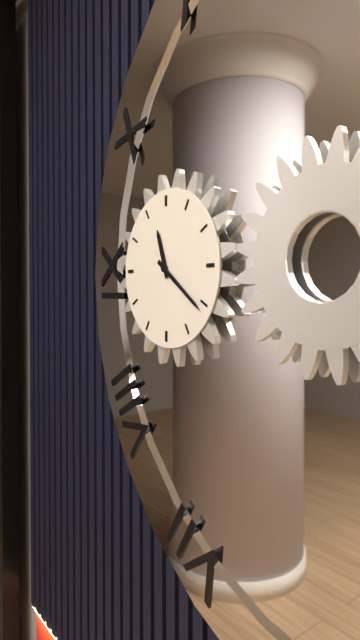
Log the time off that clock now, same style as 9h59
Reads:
11h21
